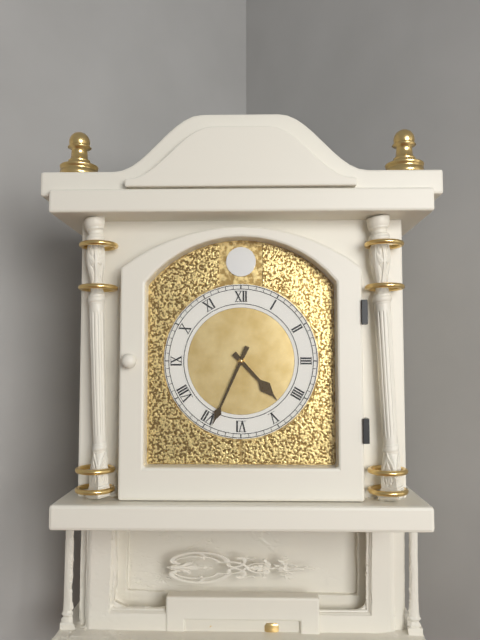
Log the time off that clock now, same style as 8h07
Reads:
4h34
